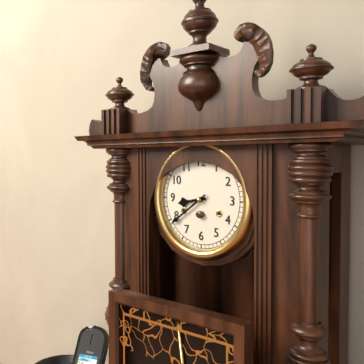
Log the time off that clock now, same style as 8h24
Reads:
8h39
